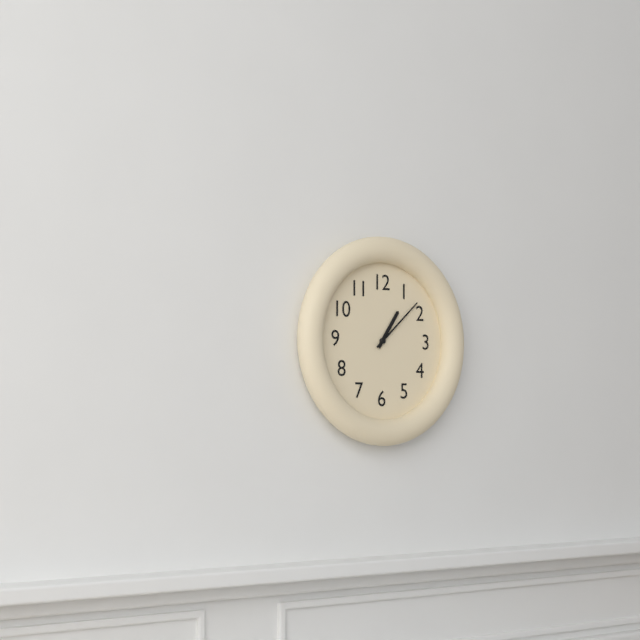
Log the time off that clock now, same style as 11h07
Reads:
1h08
